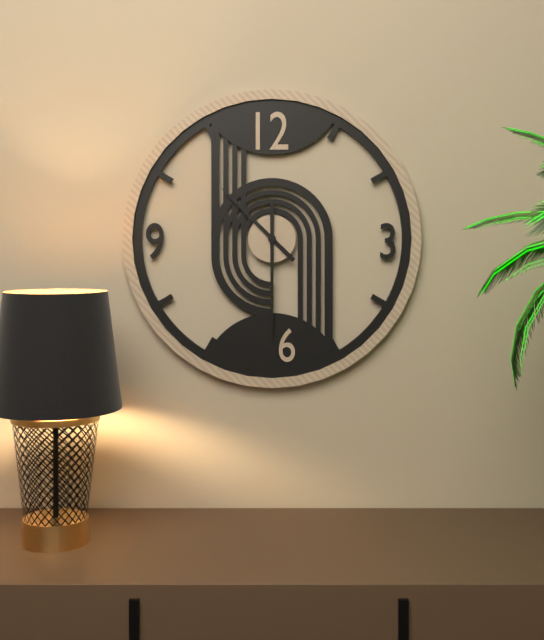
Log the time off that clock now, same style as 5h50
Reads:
10h30
